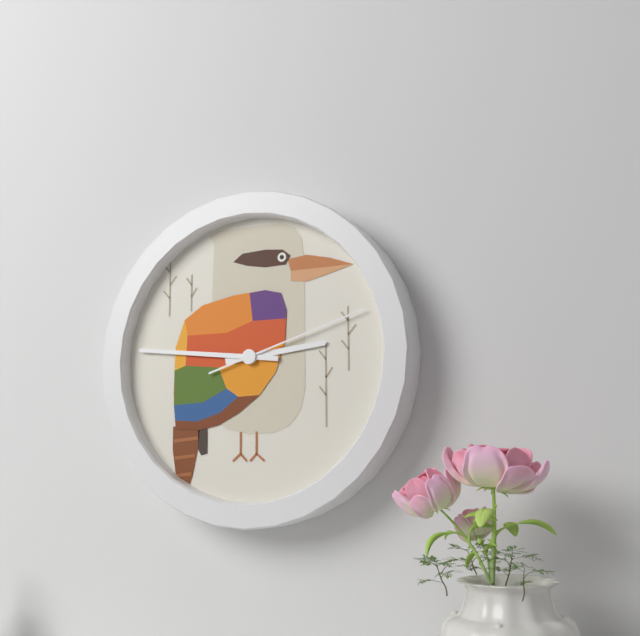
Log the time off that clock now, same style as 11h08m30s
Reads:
2h46m12s
